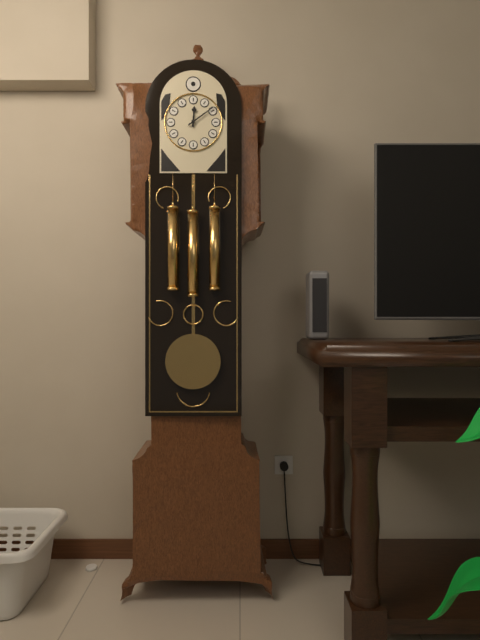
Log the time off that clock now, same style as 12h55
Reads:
12h09
